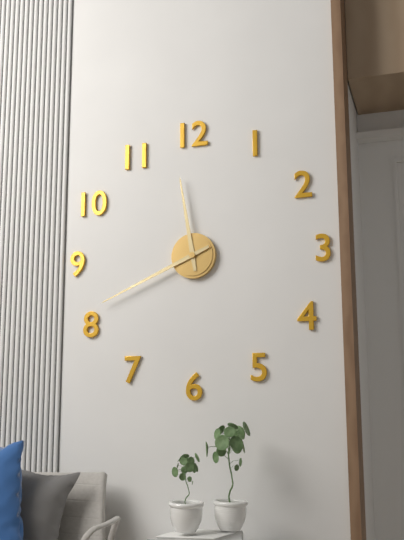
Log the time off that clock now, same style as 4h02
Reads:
11h41
